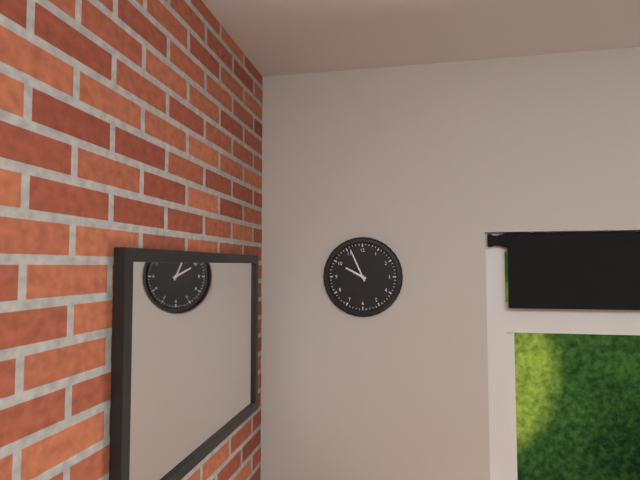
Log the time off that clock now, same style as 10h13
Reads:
9h56
